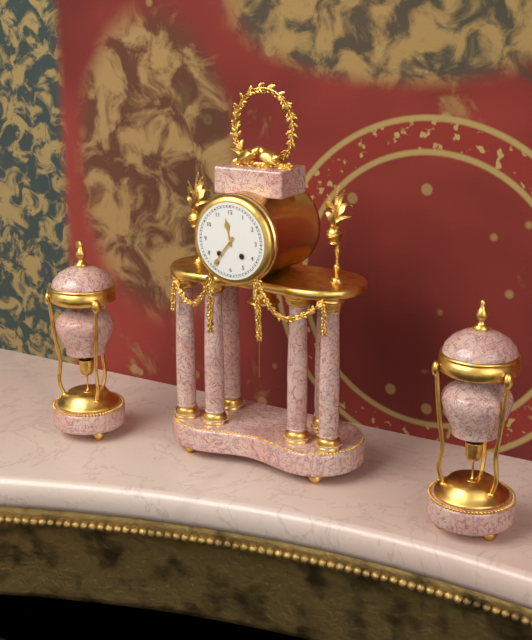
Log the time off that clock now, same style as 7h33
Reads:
11h36
